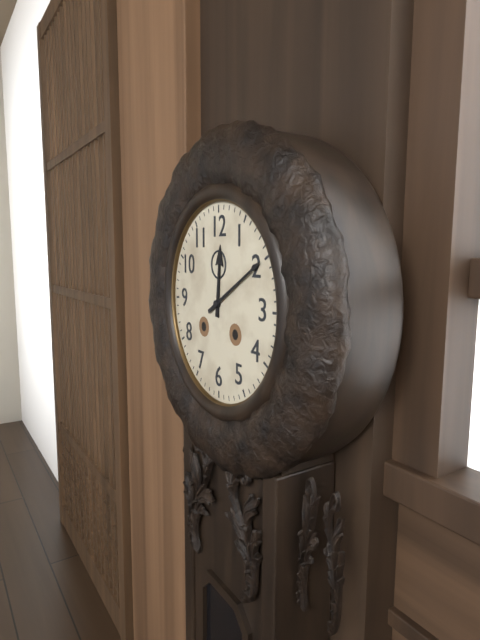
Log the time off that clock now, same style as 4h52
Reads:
12h10
